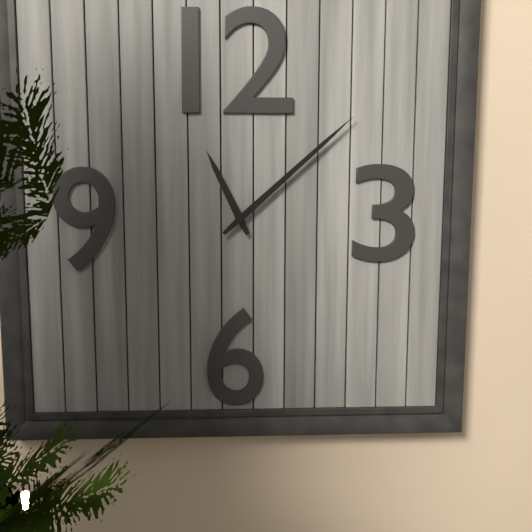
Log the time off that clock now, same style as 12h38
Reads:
11h08
